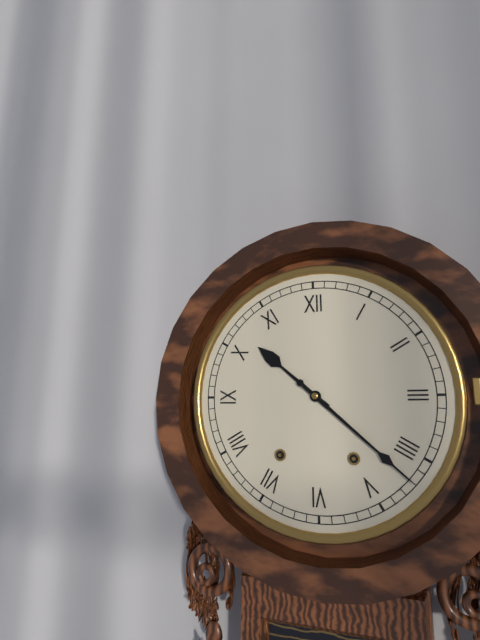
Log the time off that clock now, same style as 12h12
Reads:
10h22
